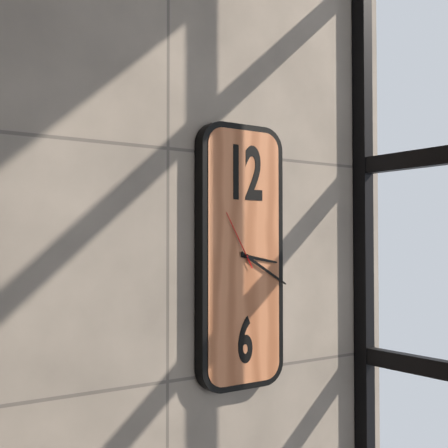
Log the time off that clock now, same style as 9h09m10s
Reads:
3h20m55s
